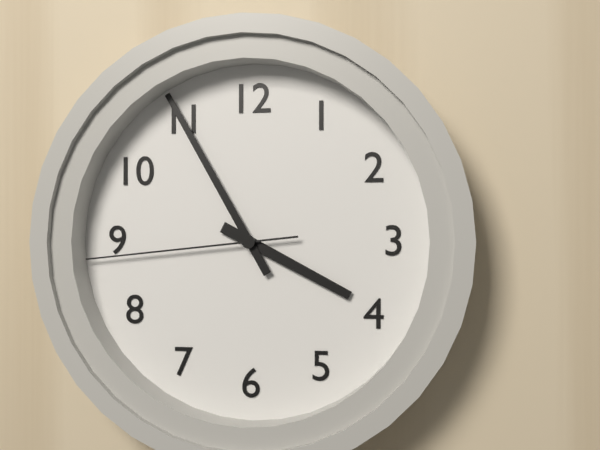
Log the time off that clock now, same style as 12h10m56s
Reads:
3h55m44s
